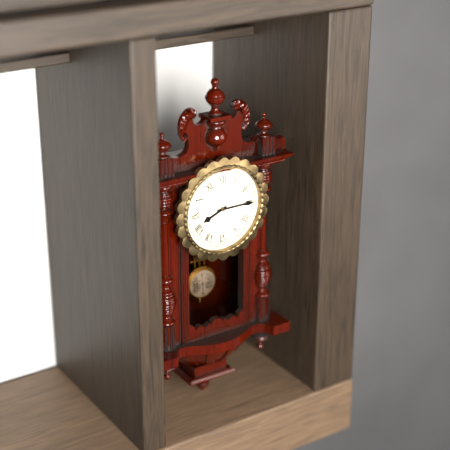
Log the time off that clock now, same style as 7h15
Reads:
8h15
